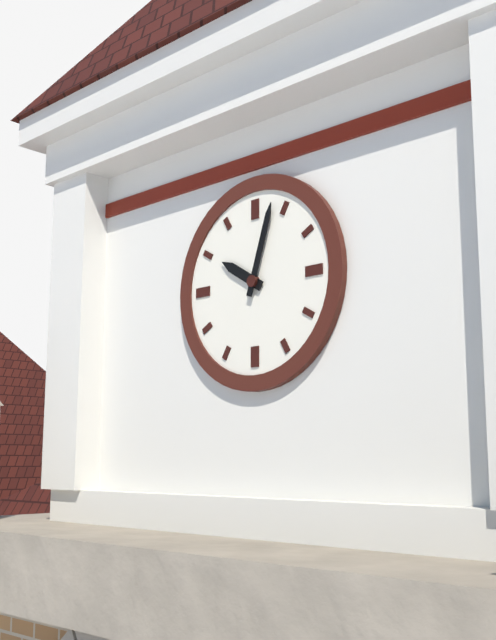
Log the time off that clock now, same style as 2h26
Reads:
10h03
